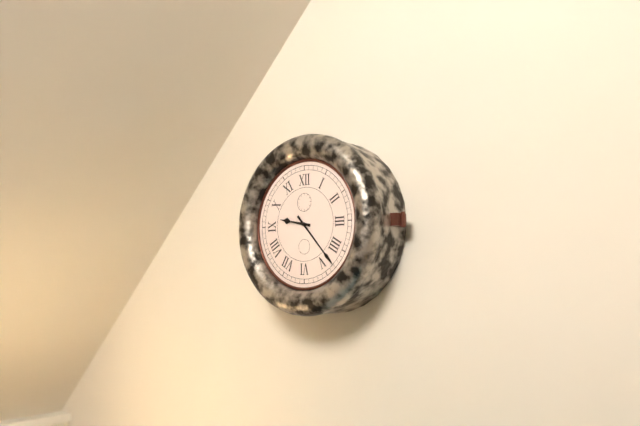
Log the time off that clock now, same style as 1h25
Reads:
9h23
